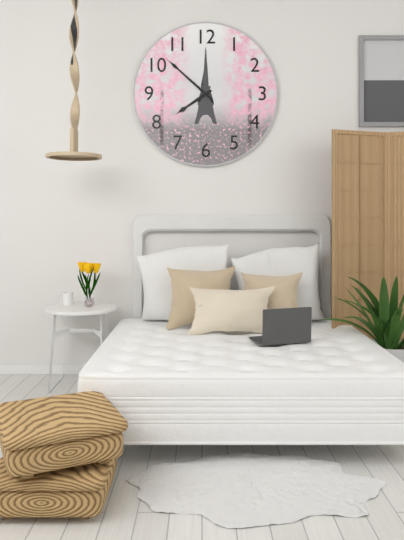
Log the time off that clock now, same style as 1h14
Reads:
7h52
